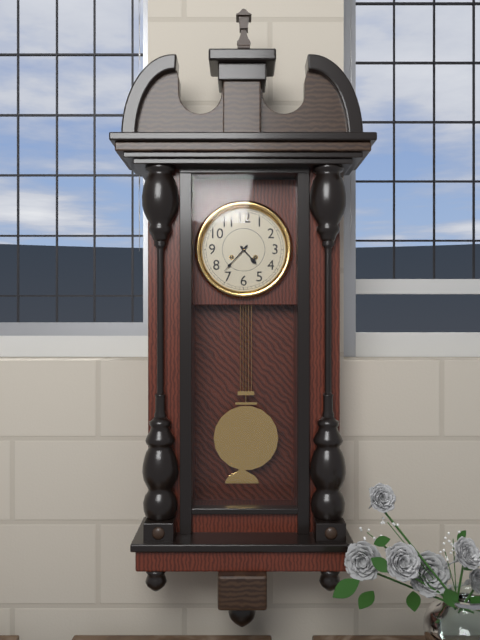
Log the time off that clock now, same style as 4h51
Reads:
4h37
